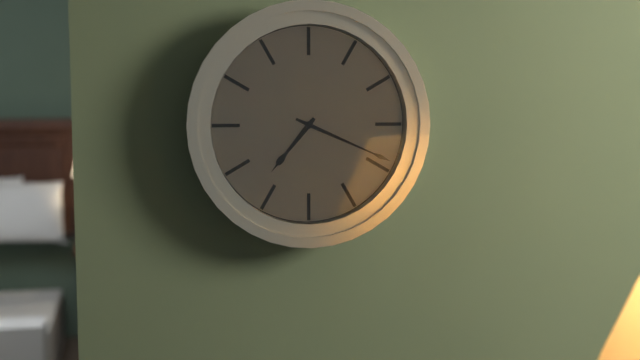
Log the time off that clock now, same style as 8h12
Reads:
7h19
